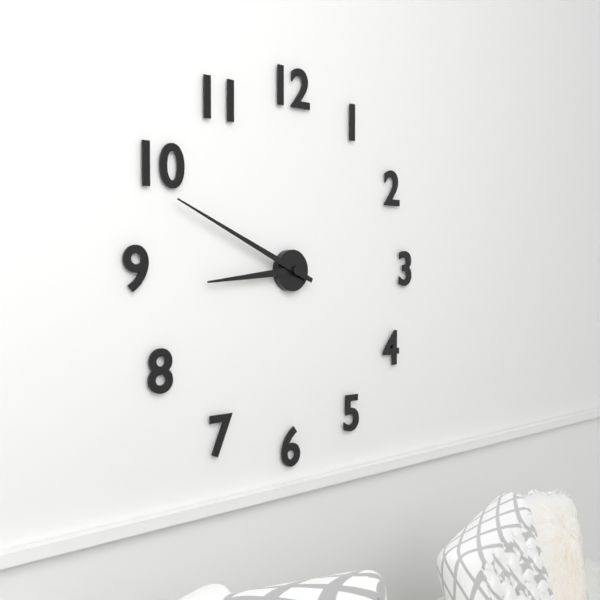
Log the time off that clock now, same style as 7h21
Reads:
8h49
